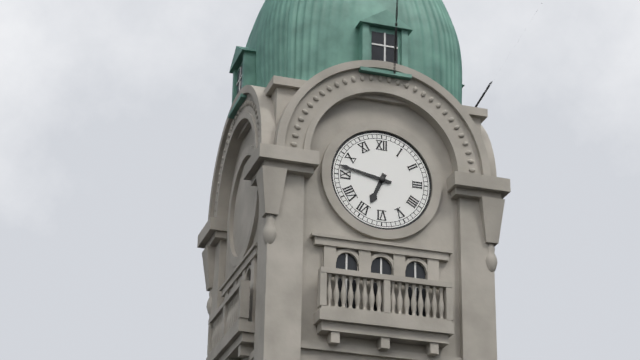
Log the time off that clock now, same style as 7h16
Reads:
6h47
